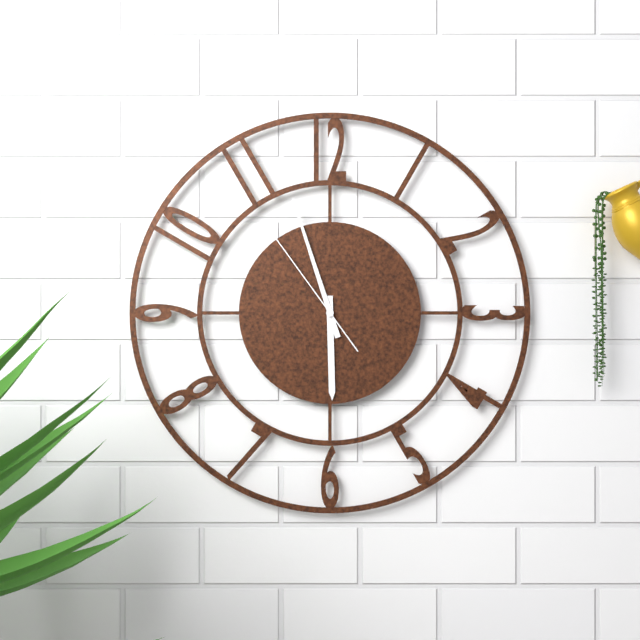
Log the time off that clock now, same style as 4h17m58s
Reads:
5h57m54s
